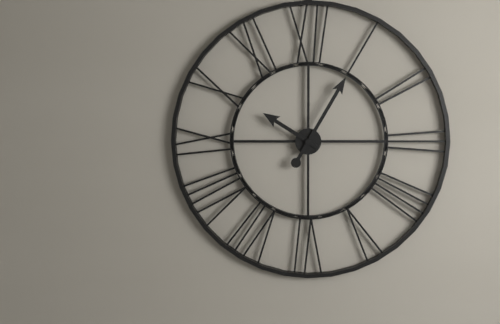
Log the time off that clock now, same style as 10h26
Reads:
10h05
